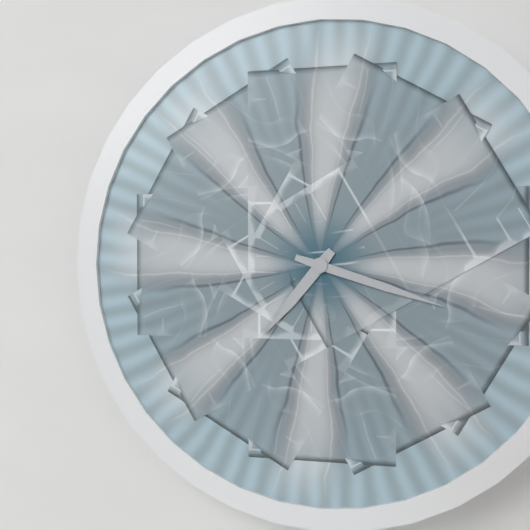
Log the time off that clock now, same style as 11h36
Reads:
7h18
